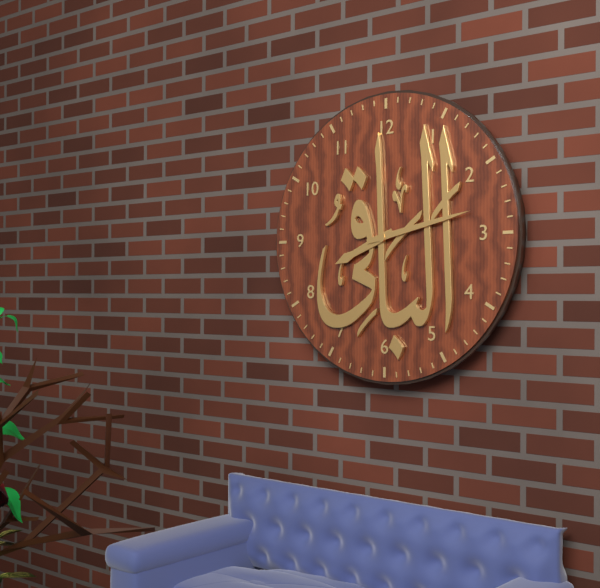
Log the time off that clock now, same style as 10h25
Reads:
8h13
